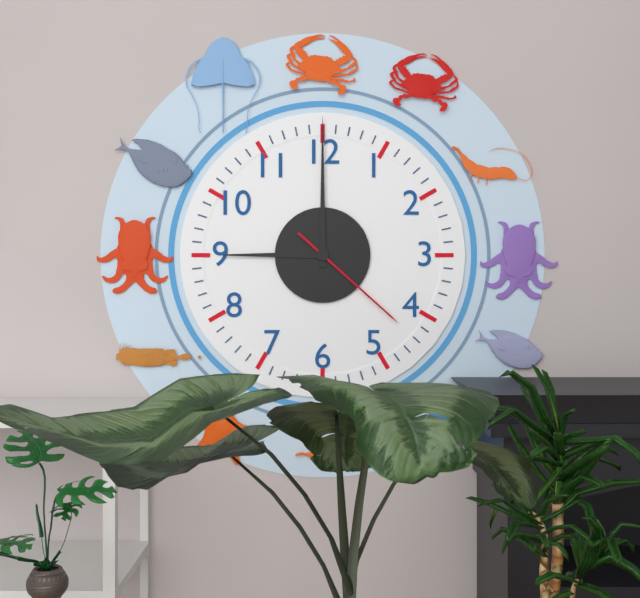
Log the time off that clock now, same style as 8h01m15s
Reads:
9h00m22s
